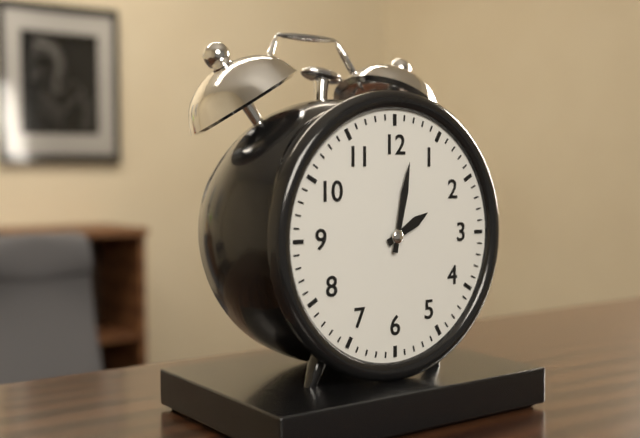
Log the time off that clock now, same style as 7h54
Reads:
2h02
